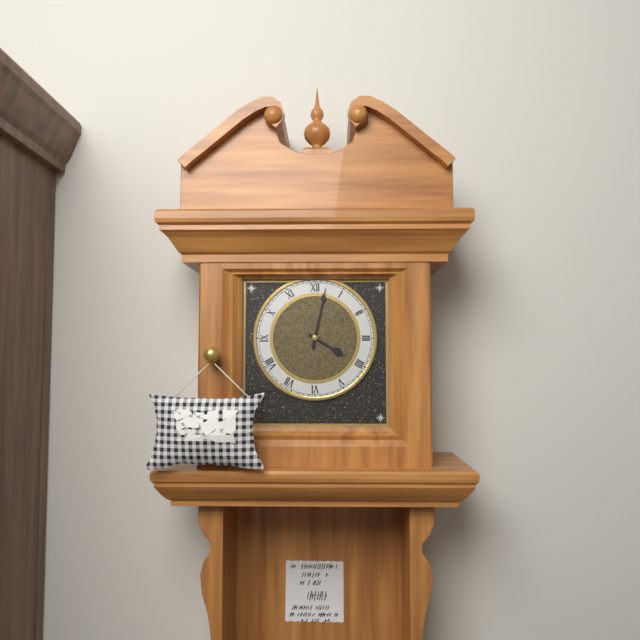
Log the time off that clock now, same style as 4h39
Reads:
4h02
